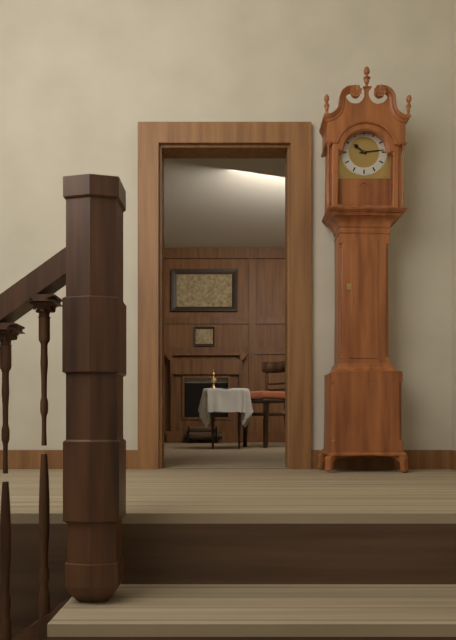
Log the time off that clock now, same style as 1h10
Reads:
10h14
